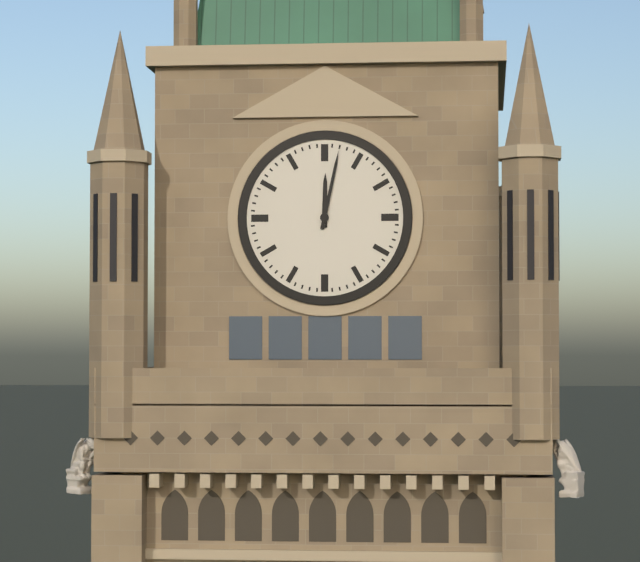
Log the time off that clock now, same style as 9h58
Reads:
12h02
